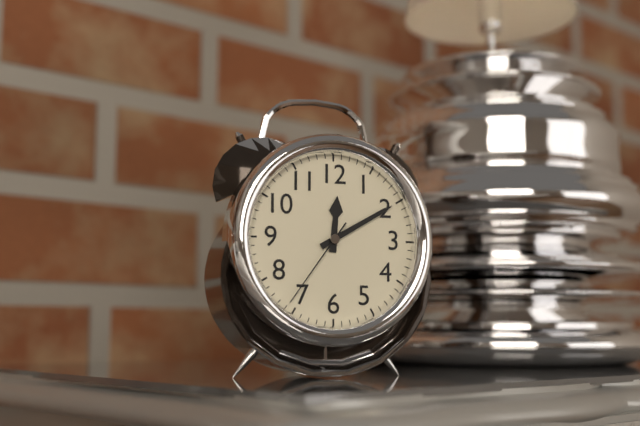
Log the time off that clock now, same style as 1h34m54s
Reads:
12h10m36s
